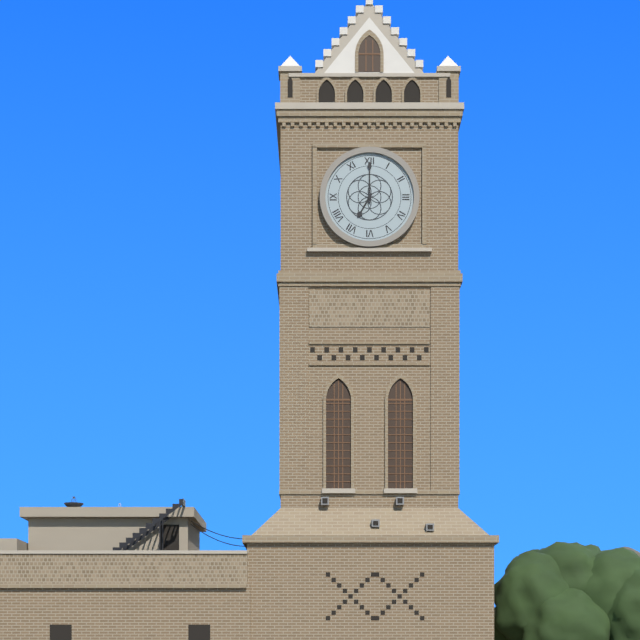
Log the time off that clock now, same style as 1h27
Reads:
7h00
